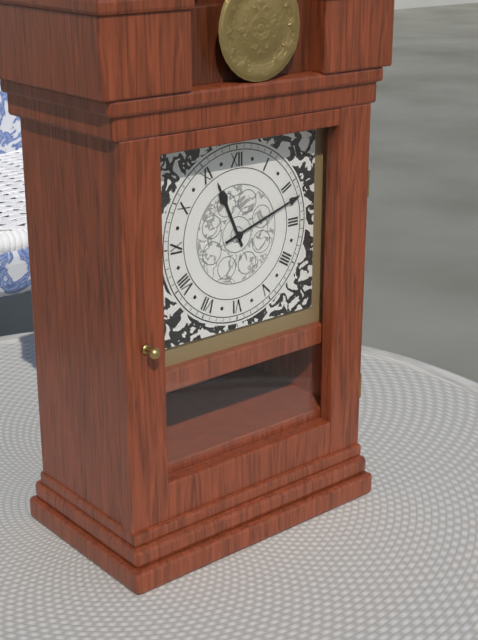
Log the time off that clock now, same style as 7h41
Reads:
11h12
